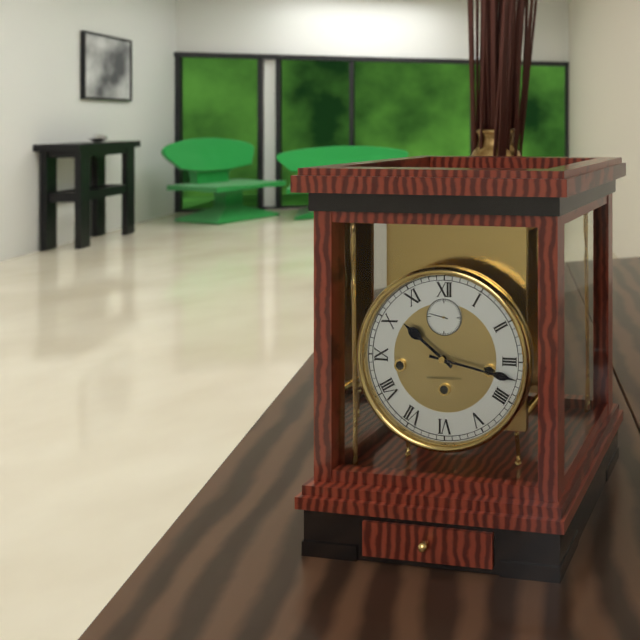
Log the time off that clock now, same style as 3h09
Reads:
10h17
